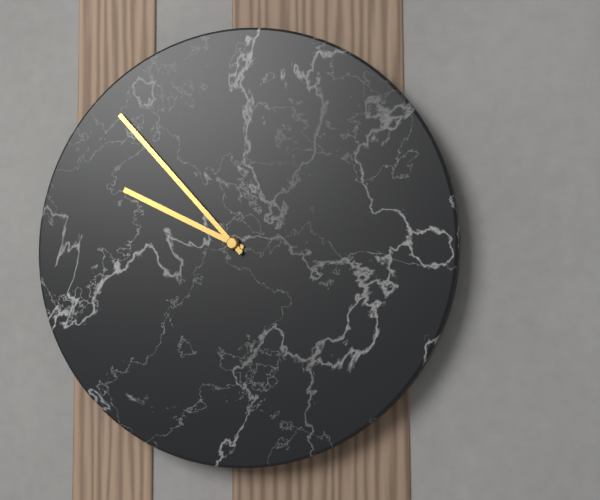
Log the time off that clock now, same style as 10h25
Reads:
9h53
